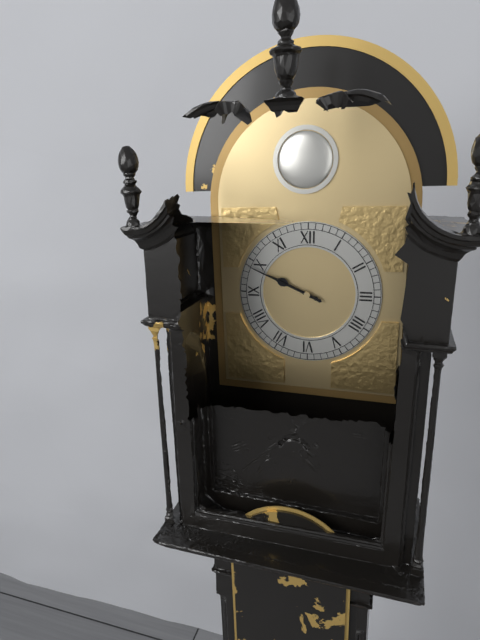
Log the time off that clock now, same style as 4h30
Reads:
9h49
